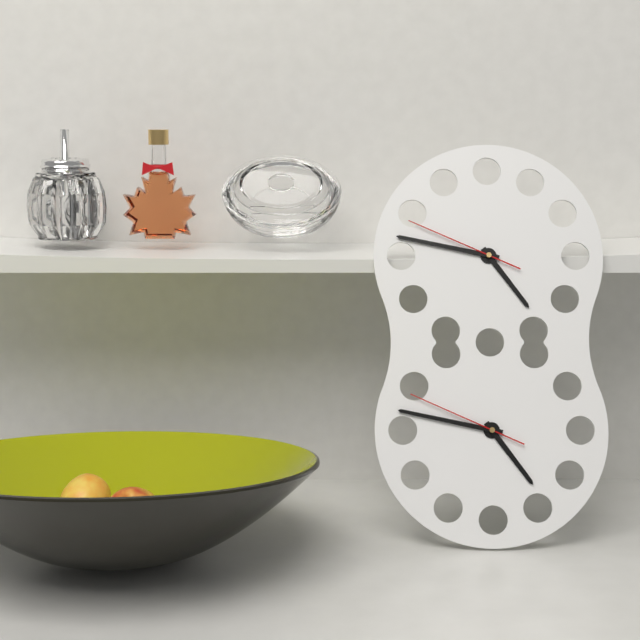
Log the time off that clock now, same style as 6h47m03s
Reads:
4h47m49s
